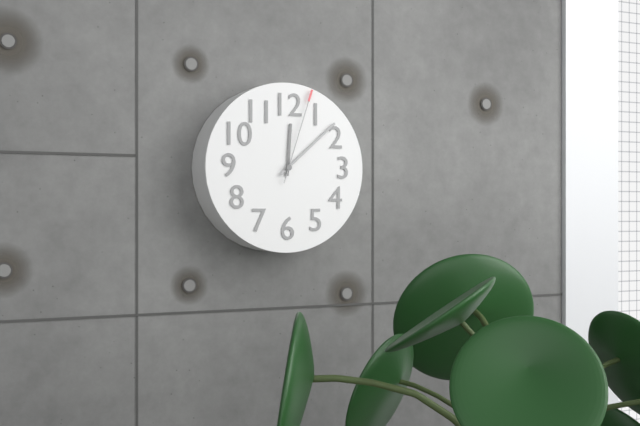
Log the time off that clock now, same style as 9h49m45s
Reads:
12h08m03s
